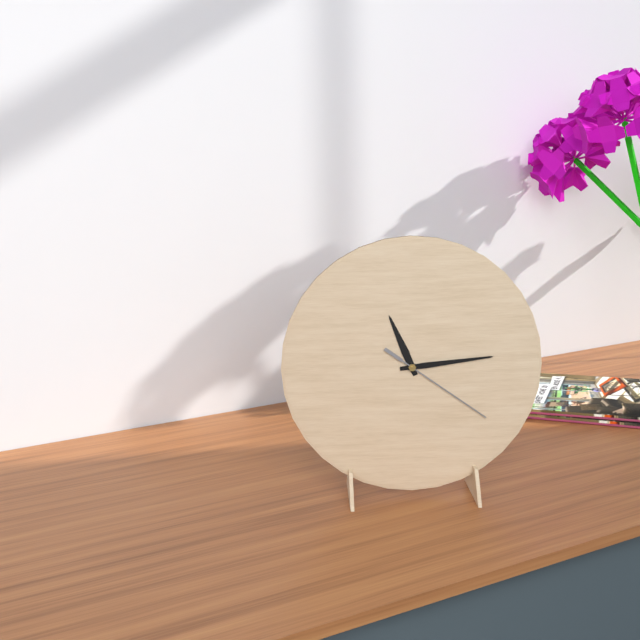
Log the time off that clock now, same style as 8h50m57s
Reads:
11h14m21s
